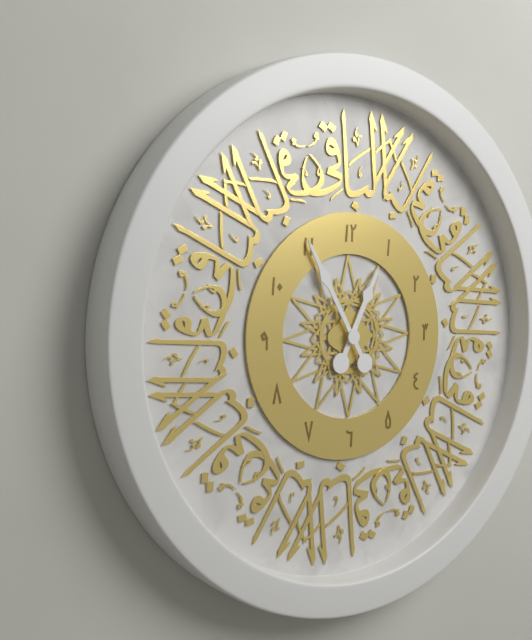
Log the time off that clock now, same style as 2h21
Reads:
12h55
